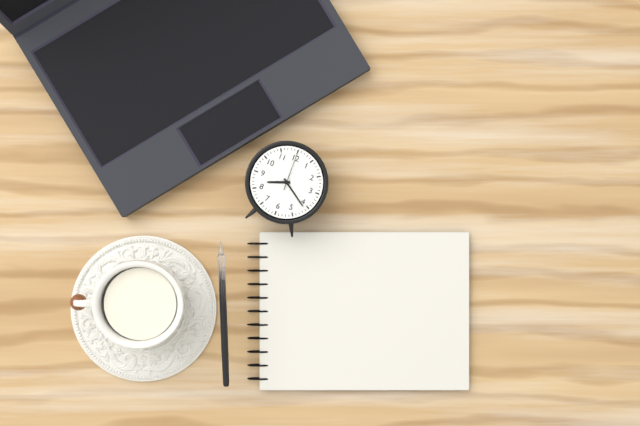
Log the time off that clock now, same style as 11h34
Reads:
8h21
